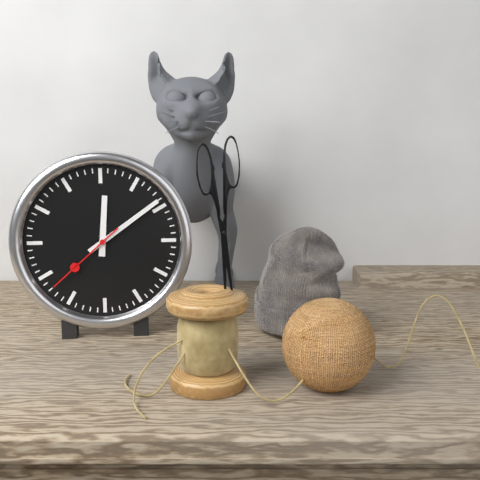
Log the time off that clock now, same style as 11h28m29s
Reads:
12h09m38s
